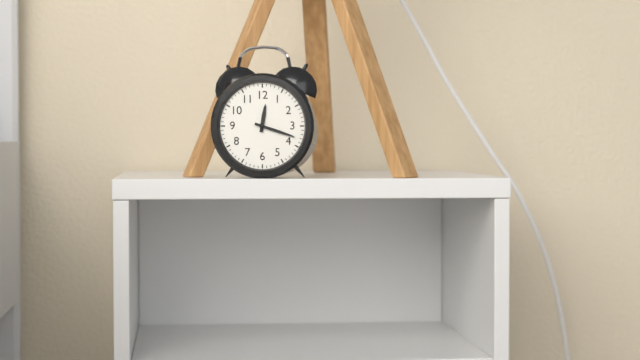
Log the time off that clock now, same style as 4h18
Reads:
12h18
